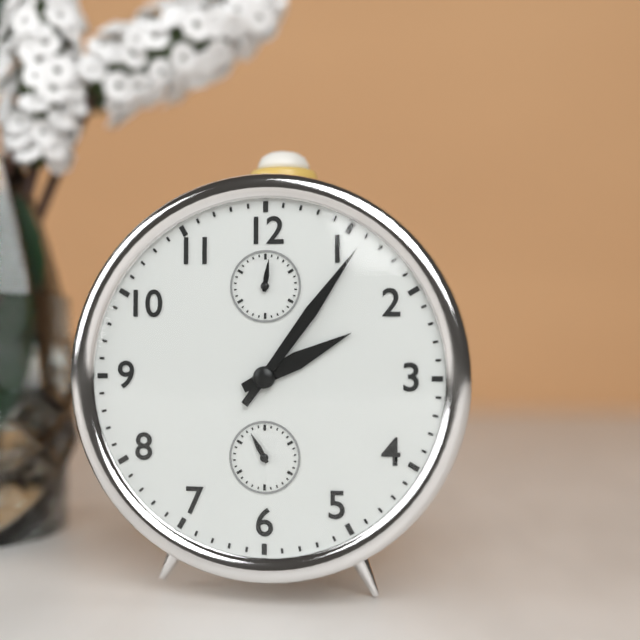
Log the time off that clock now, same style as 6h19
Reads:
2h06
